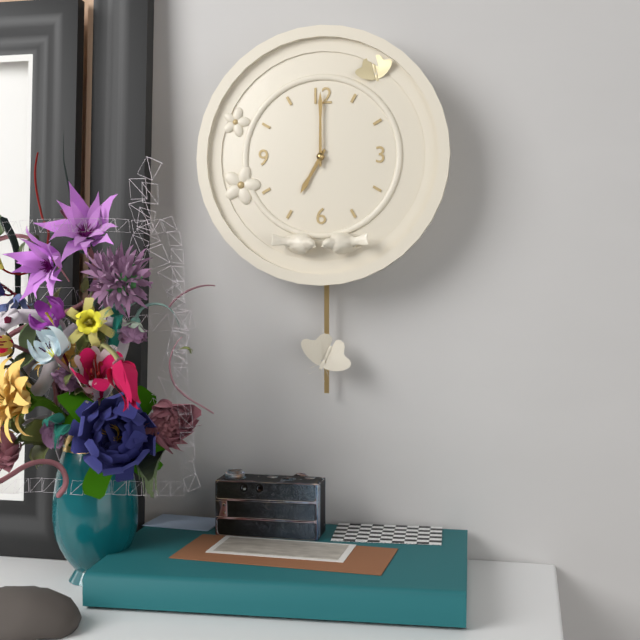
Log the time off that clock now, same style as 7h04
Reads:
7h00
